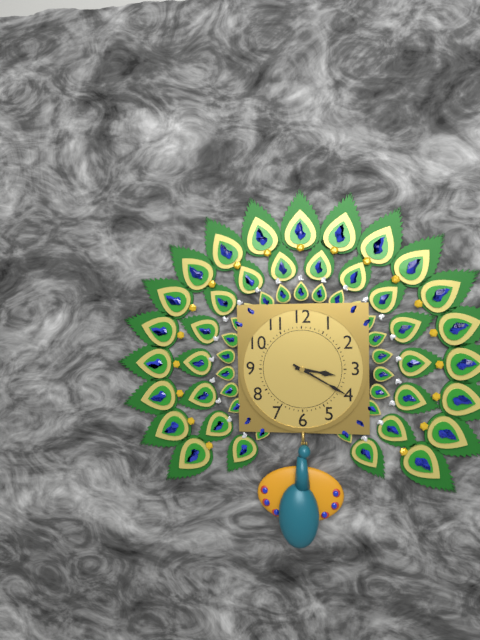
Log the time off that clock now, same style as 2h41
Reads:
3h20
